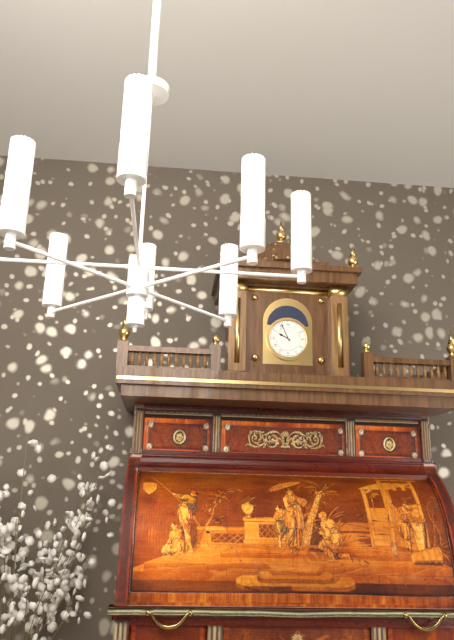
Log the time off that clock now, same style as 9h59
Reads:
9h56
